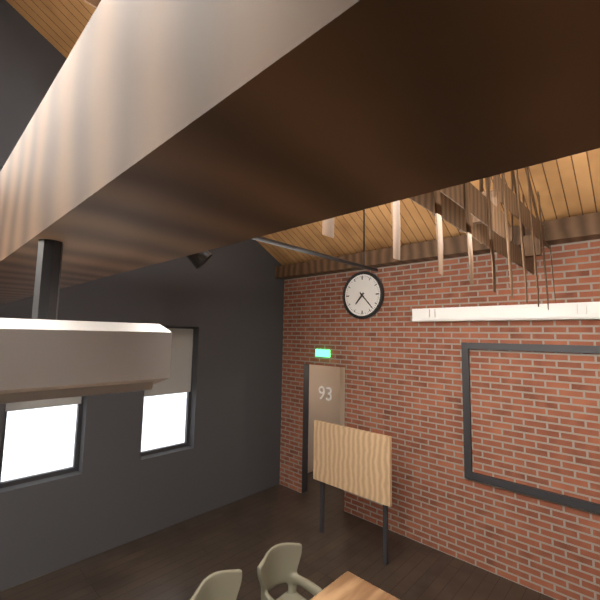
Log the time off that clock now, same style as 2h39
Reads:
7h23
